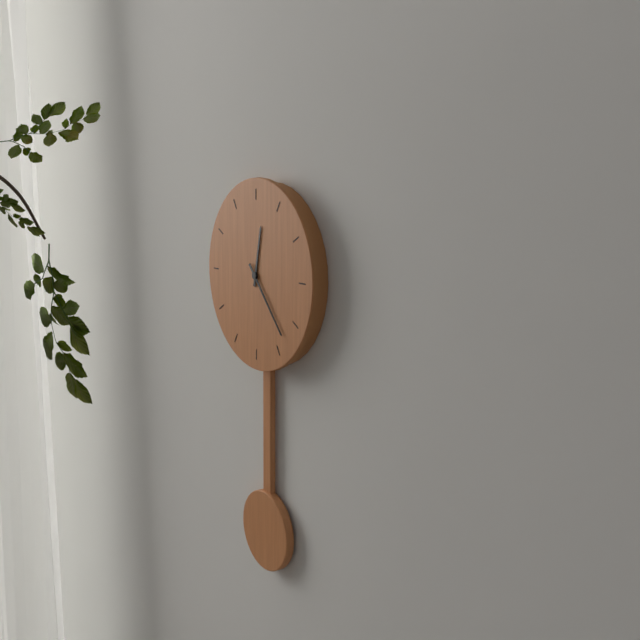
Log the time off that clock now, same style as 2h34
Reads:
12h23
